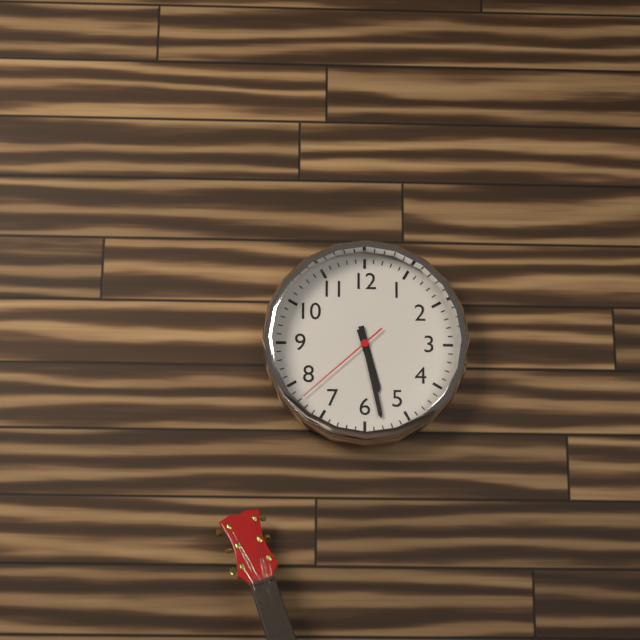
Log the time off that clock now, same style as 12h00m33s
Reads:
5h28m38s
